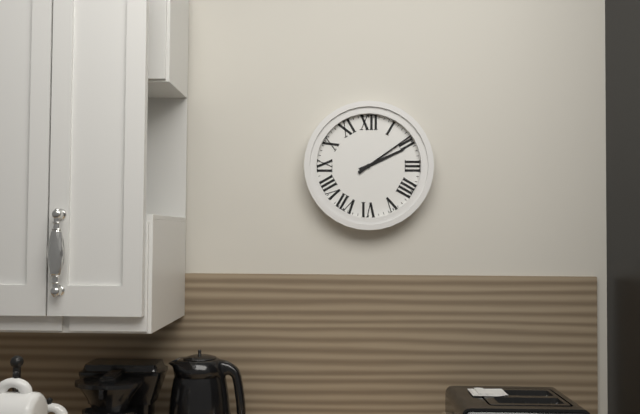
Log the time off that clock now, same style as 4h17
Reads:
2h09
